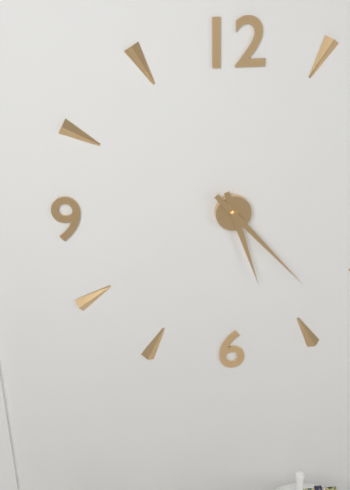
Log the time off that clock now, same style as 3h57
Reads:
5h23
